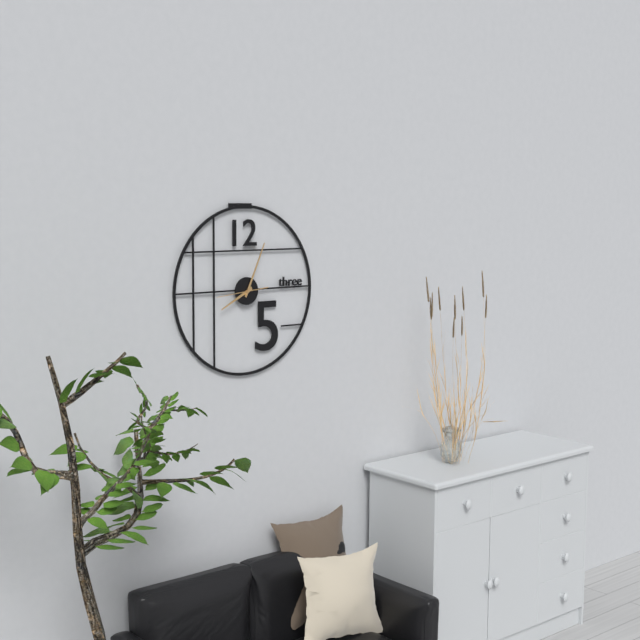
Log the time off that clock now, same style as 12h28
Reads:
8h04
